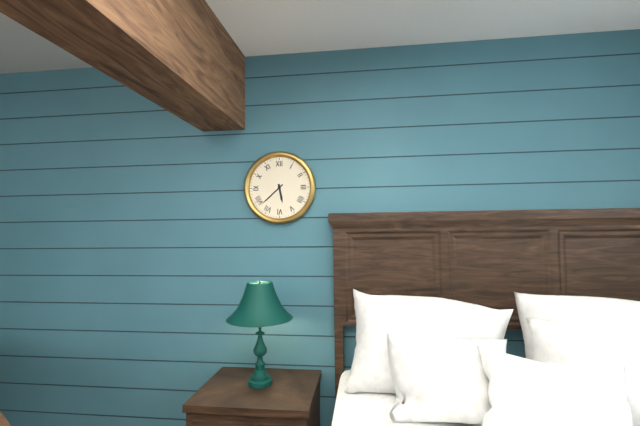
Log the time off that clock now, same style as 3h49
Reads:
5h38
